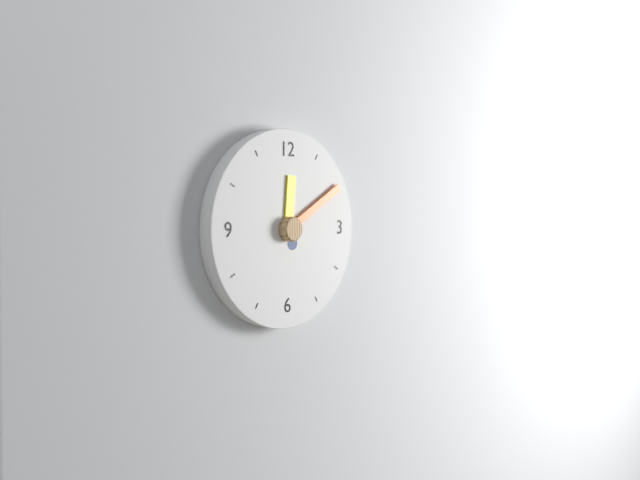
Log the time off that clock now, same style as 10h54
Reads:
12h10
